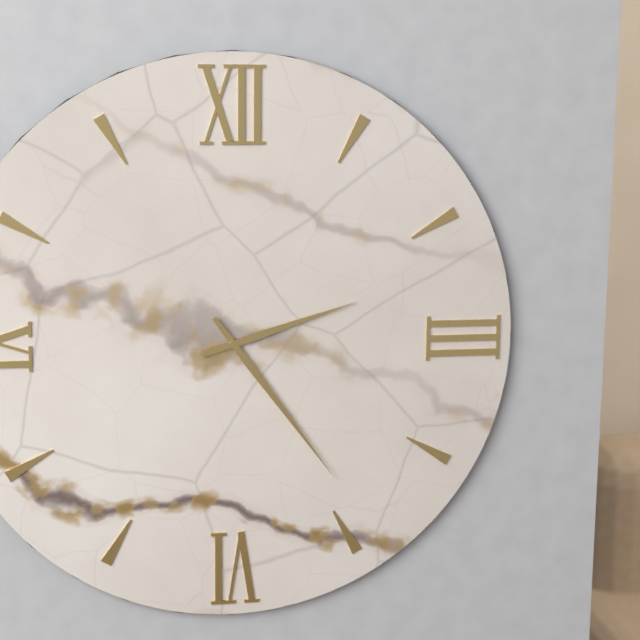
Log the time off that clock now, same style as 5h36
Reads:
2h24
